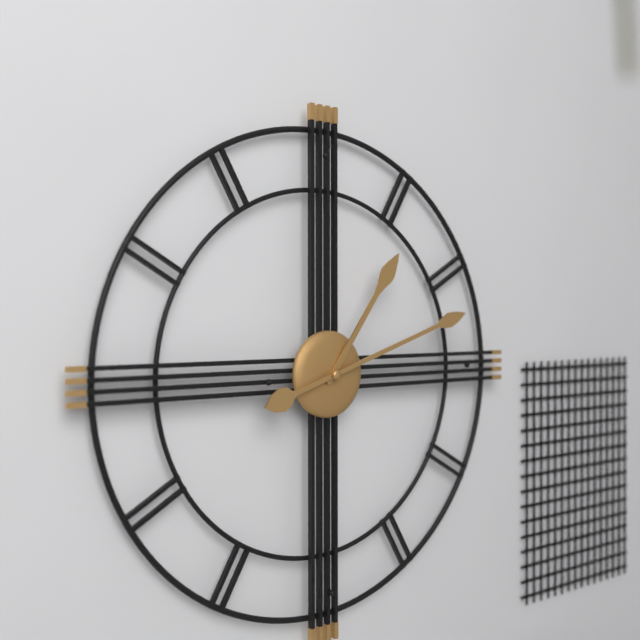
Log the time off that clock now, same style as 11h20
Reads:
1h12
